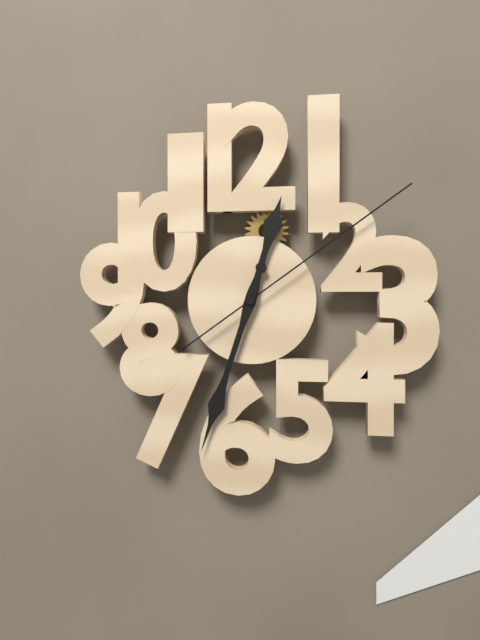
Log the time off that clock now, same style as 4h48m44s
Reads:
12h33m09s
